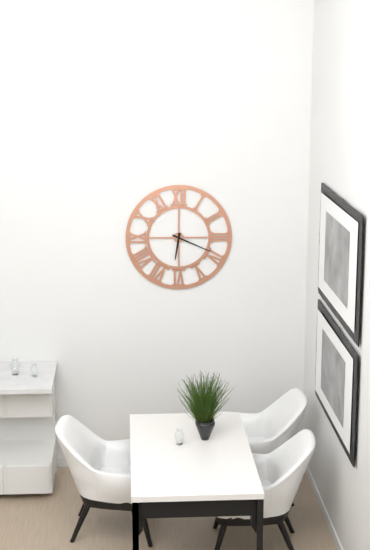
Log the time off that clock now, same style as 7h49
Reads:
6h19
